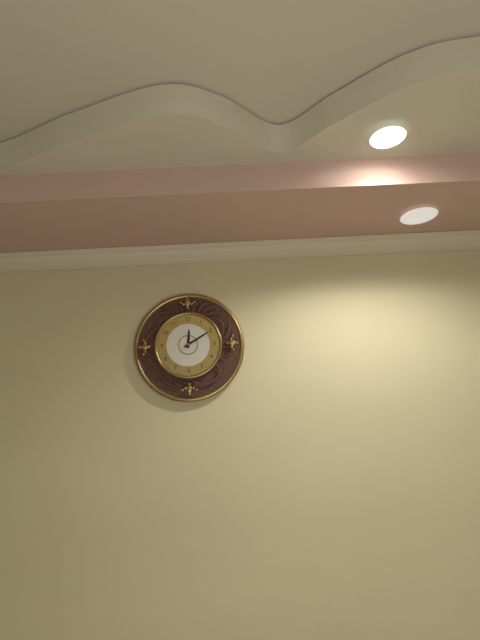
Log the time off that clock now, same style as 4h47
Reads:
12h10
